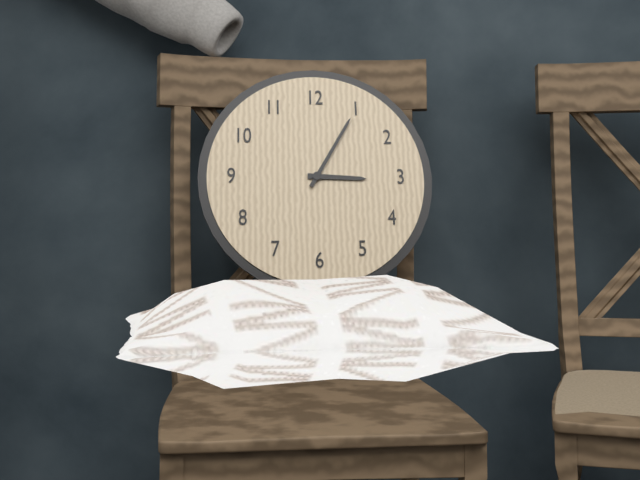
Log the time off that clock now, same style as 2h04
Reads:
3h05
